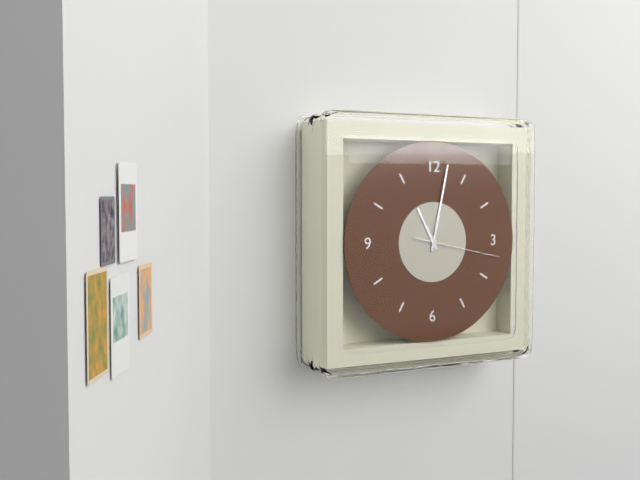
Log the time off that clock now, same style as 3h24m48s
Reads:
11h02m17s
